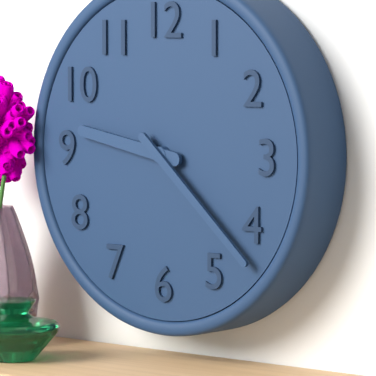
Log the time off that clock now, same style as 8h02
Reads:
9h22
